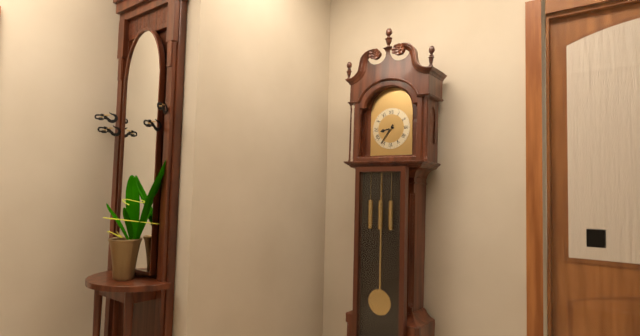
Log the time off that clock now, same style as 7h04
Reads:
8h36
